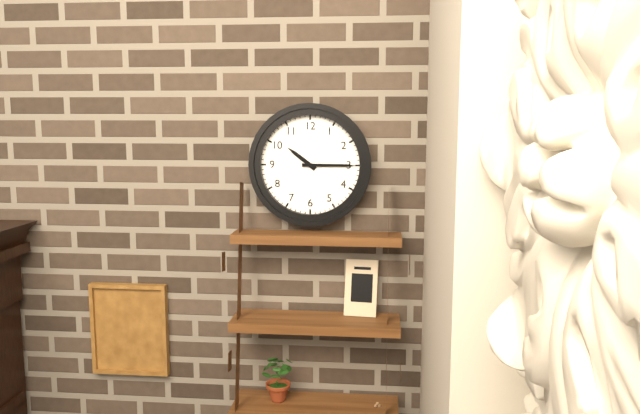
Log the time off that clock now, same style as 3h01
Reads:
10h15
